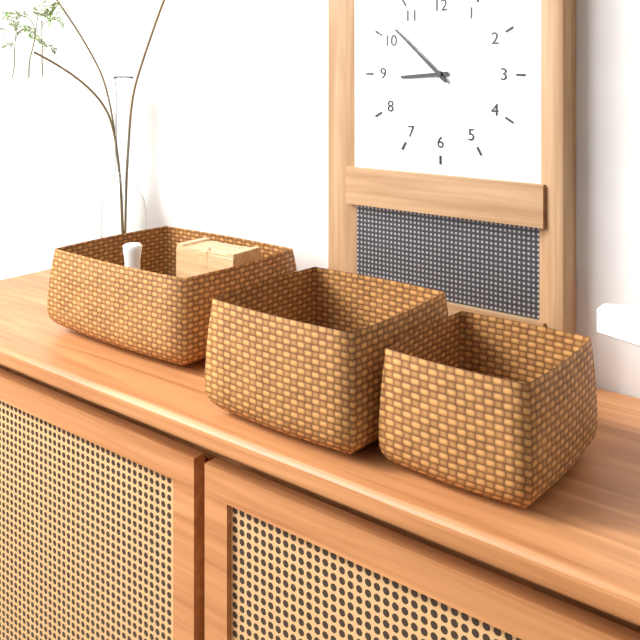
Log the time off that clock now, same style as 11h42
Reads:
8h52
